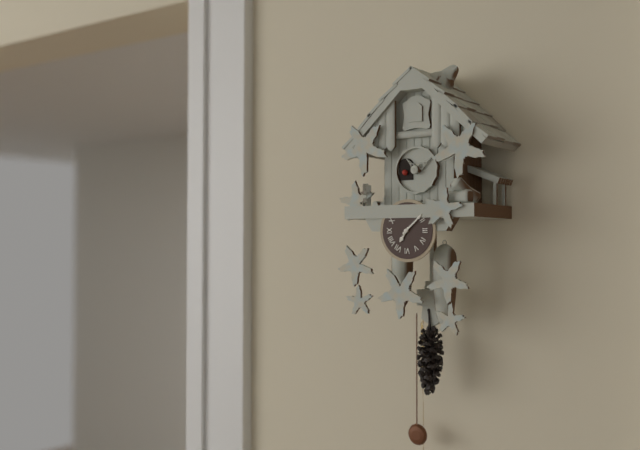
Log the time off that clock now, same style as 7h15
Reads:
7h08
